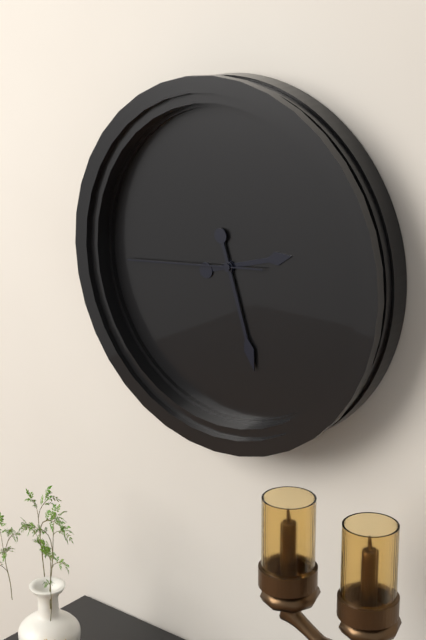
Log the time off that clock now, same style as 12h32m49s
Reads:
2h27m44s
